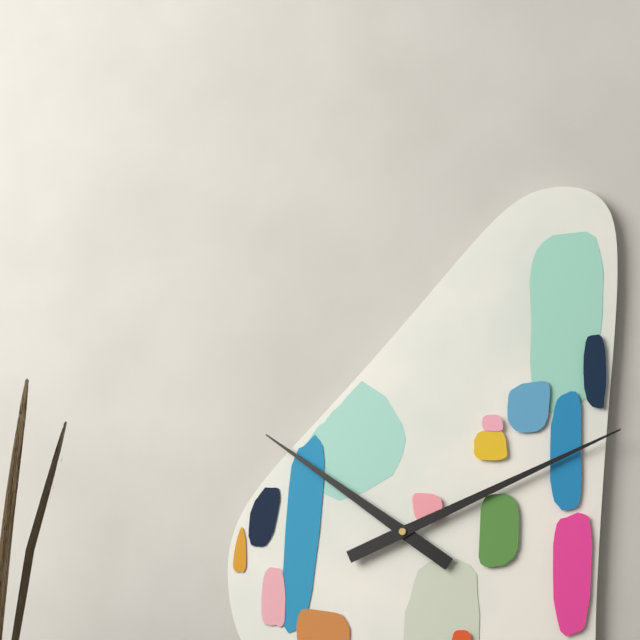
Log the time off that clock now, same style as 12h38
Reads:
10h11
